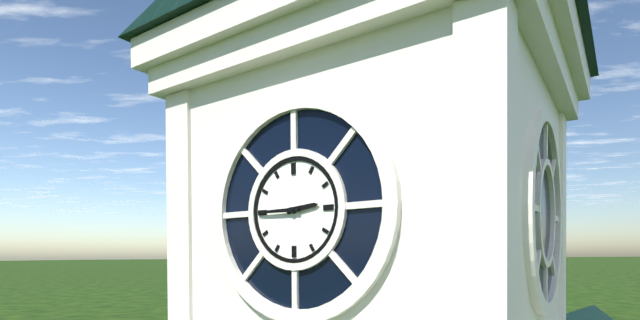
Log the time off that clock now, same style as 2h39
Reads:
2h45
